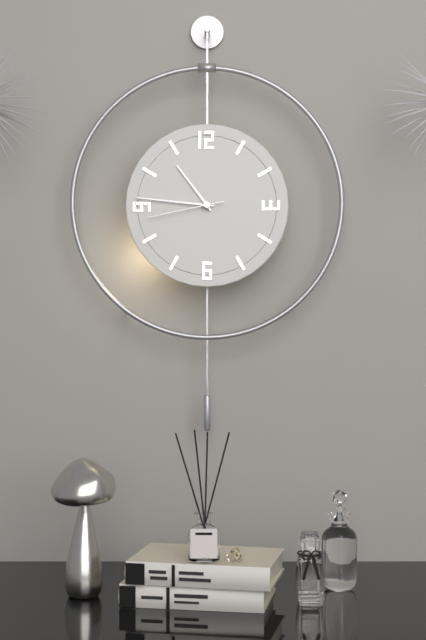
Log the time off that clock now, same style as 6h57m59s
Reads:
10h46m43s
